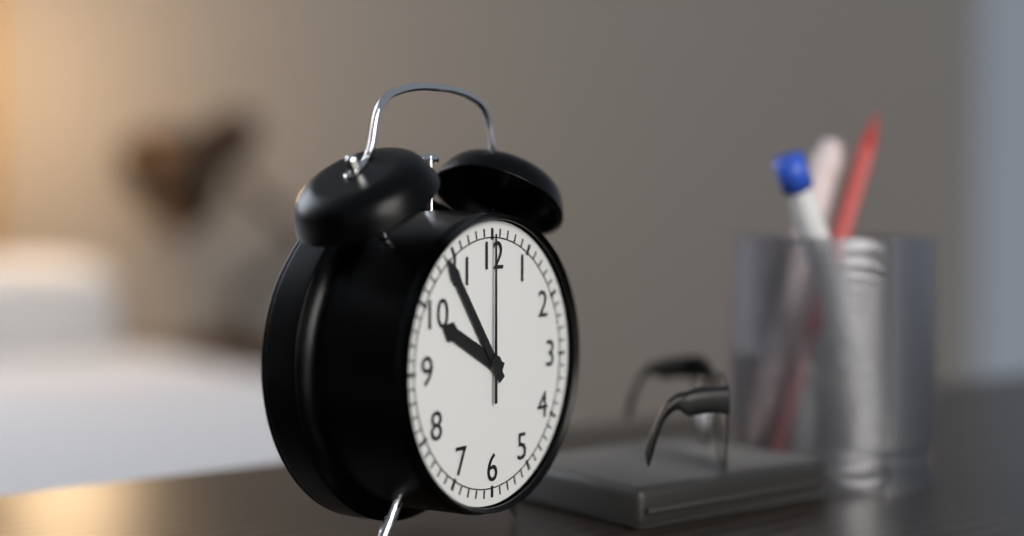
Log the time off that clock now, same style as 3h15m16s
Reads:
9h54m00s
